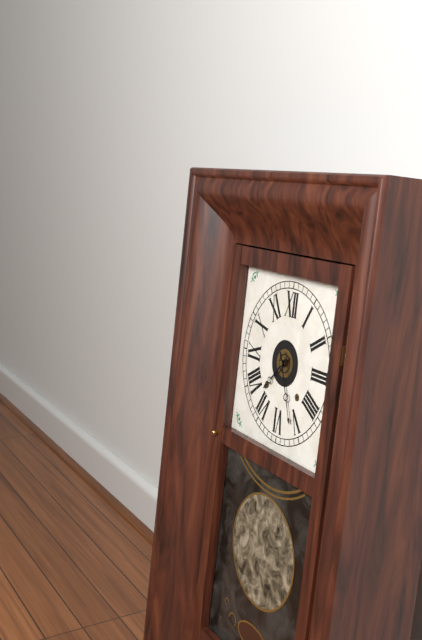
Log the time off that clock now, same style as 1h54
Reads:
7h26
